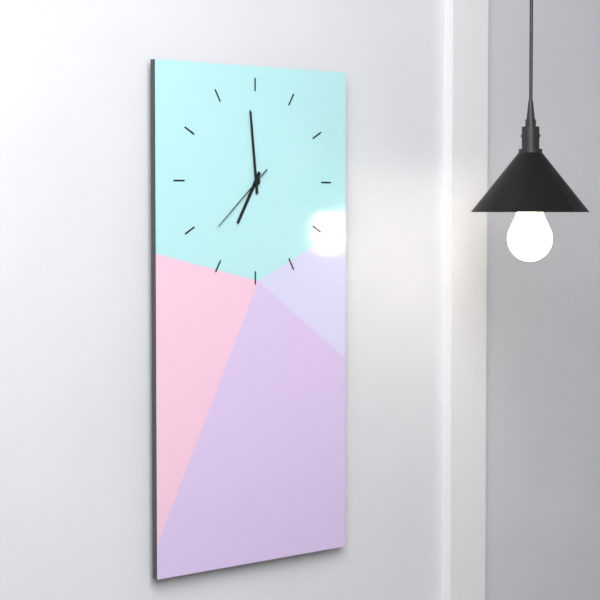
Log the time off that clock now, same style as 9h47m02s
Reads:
6h59m38s
